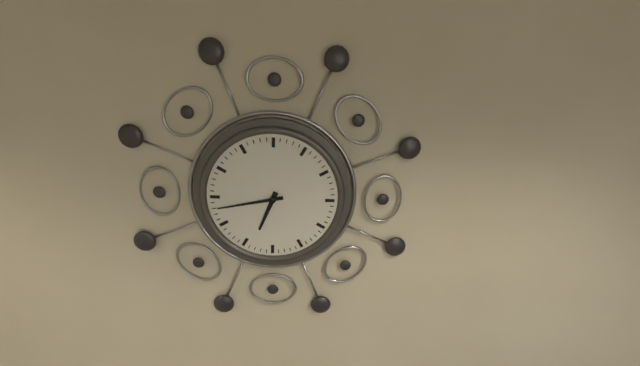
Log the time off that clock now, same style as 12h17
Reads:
6h43
